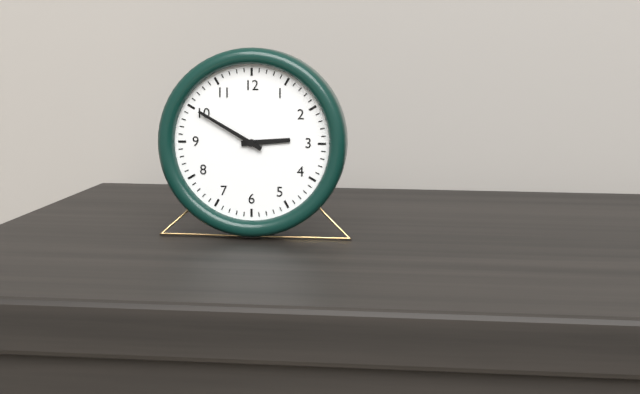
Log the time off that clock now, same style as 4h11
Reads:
2h50
